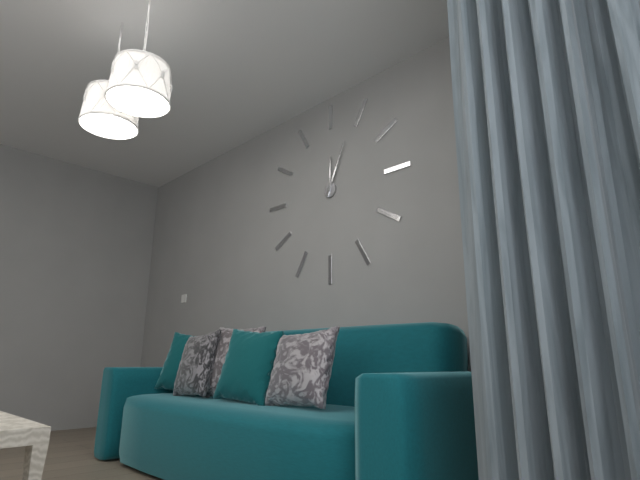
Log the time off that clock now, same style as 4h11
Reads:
12h04
